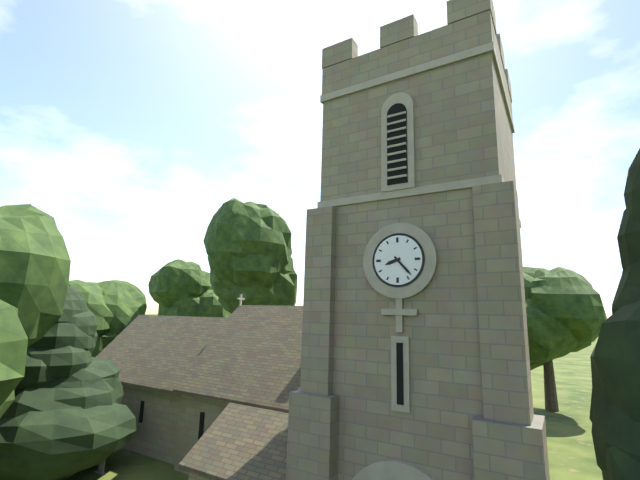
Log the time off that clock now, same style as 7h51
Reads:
8h23
